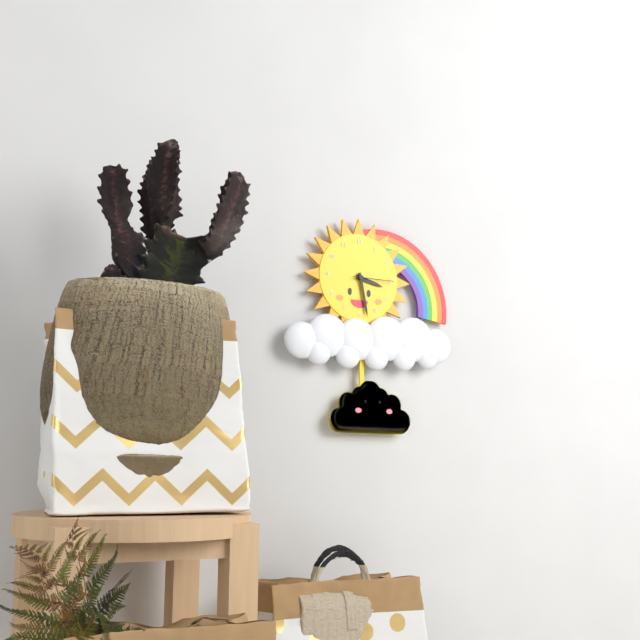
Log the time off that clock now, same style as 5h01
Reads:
3h28
